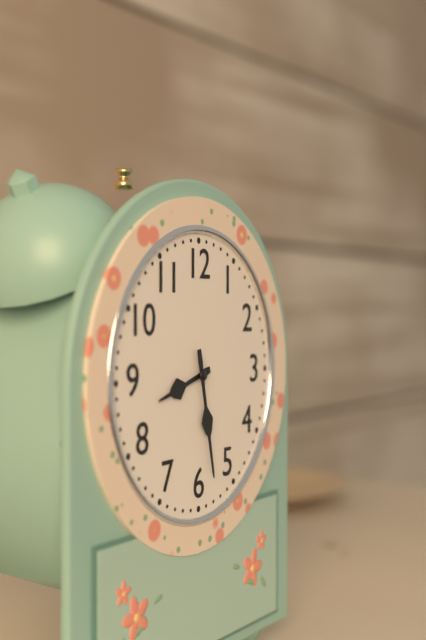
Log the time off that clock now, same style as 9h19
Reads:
8h28
